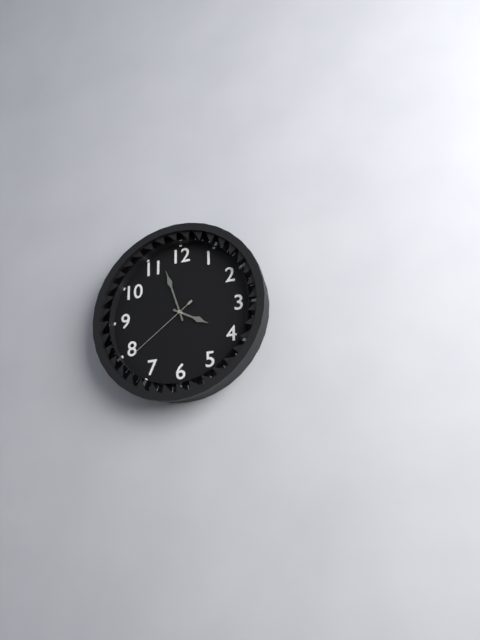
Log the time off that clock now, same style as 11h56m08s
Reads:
3h57m39s
